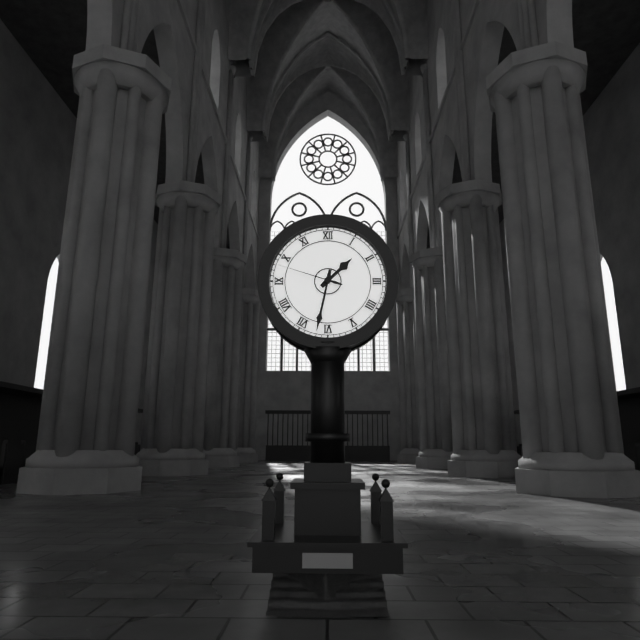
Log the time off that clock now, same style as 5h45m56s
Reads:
1h32m48s
